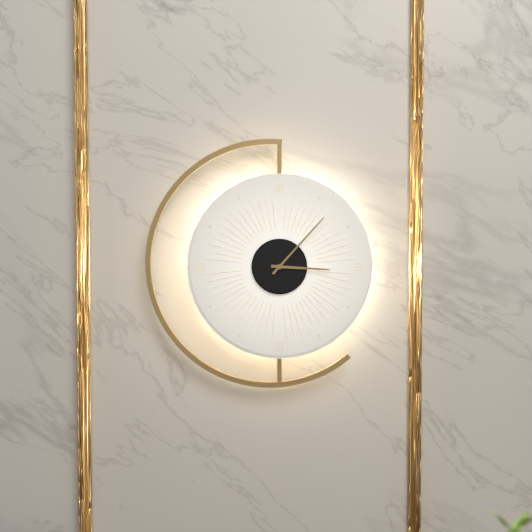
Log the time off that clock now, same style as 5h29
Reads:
3h07
